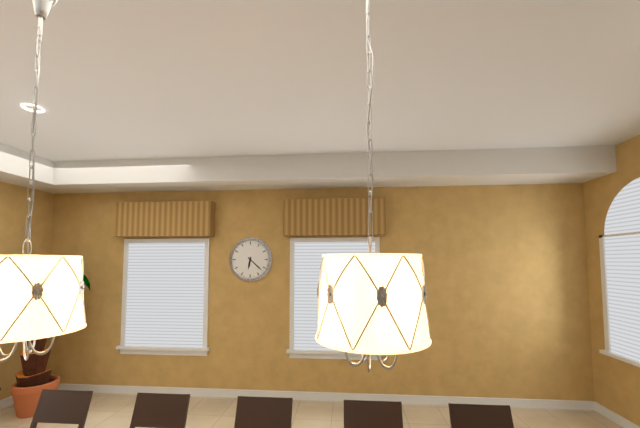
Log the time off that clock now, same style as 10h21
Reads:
6h22
